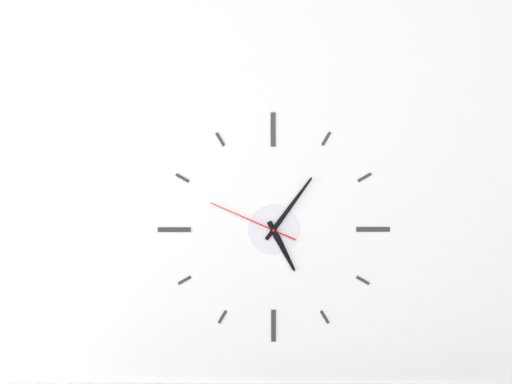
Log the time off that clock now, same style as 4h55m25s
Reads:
5h06m49s
